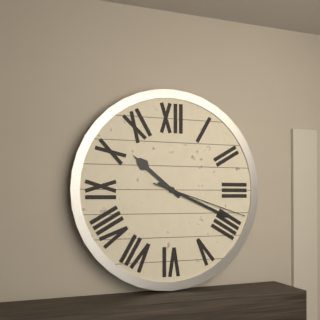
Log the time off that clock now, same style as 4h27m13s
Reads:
10h19m18s
